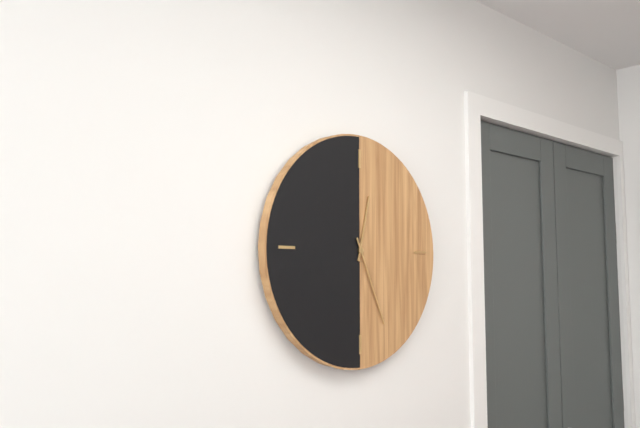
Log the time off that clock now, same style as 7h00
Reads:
12h26
